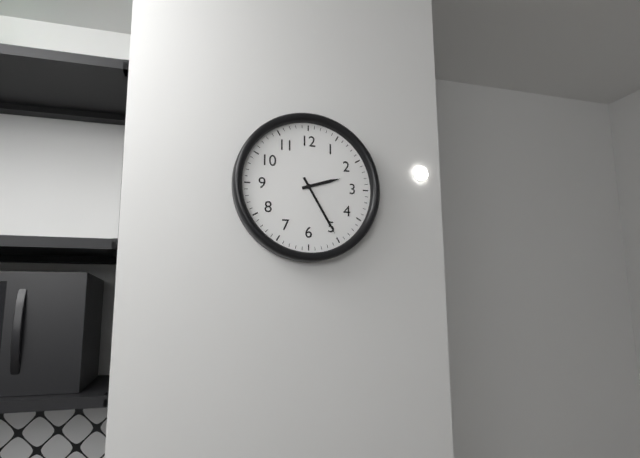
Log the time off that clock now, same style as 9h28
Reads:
2h25
